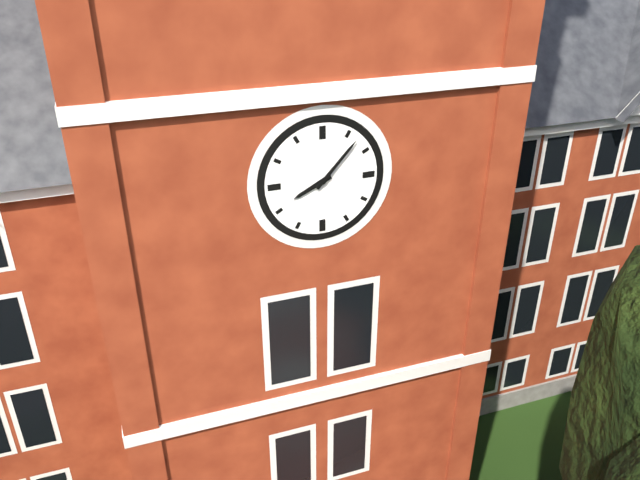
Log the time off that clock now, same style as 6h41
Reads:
8h07
